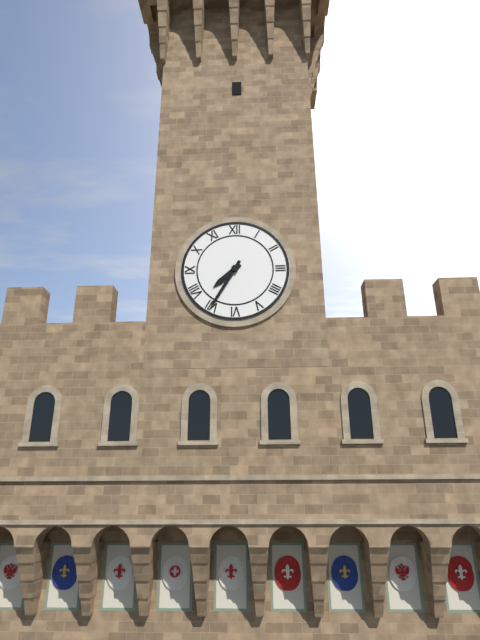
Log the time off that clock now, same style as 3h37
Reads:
7h35
